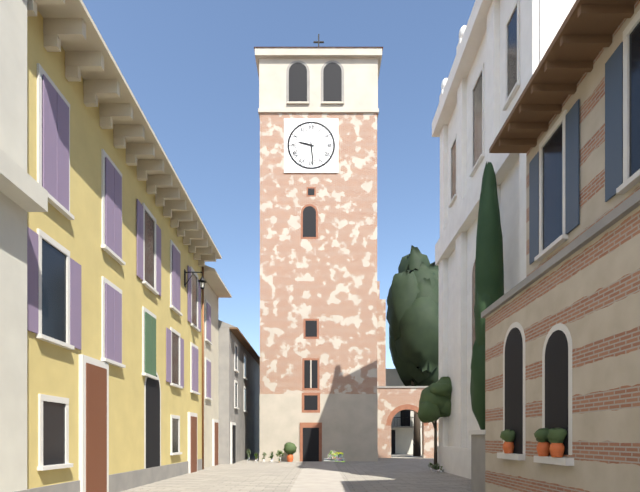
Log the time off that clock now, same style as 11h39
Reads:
9h29
